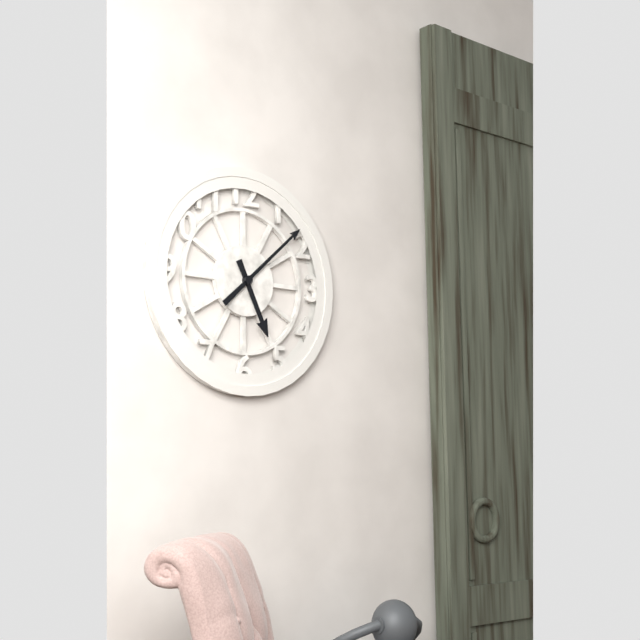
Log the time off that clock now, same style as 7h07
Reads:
5h08
